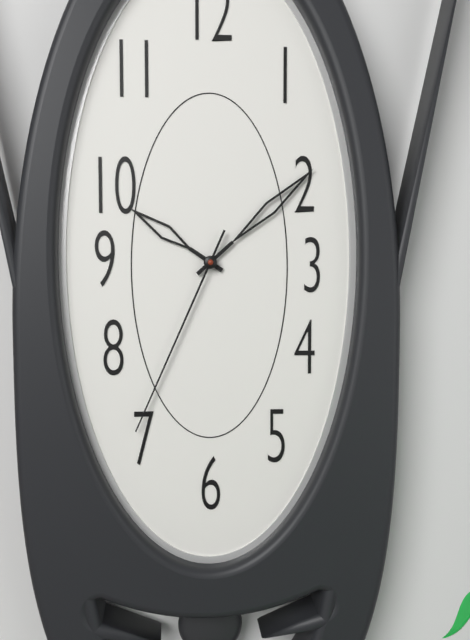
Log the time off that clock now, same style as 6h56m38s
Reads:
10h08m34s
